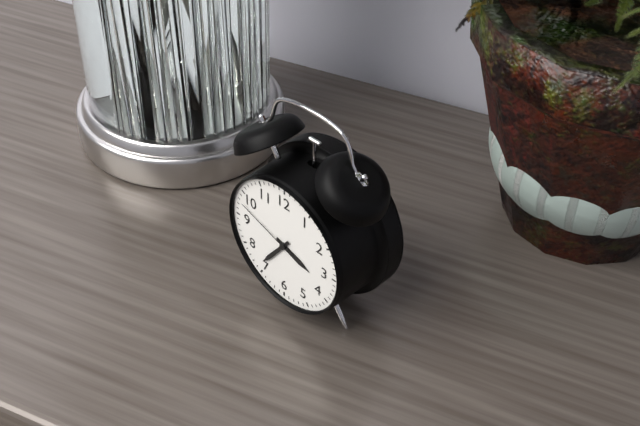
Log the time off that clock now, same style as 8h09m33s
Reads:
3h36m48s
